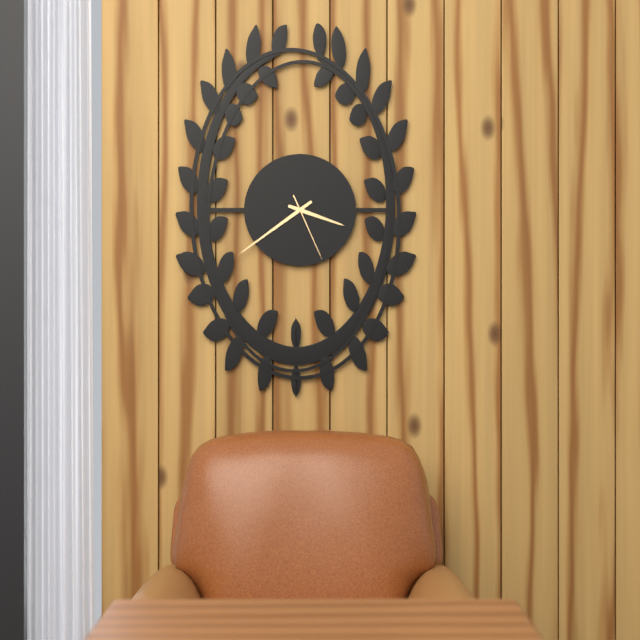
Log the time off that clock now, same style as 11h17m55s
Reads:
3h39m26s
